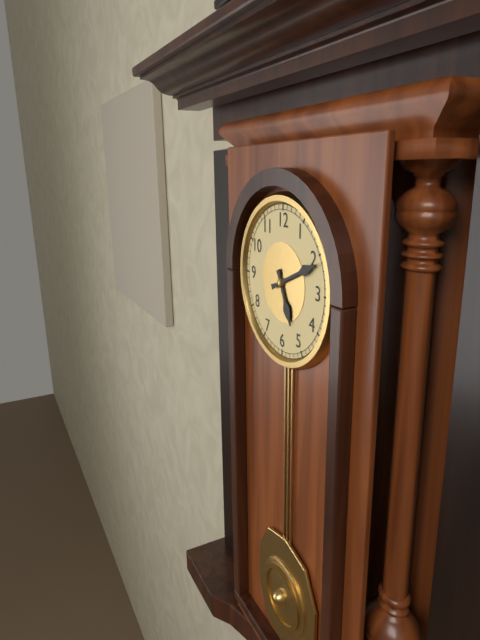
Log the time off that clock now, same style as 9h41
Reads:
5h11
